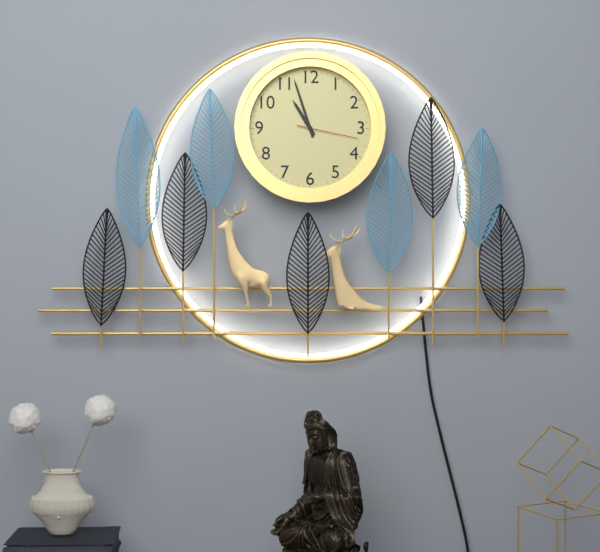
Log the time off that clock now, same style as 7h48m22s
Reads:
10h57m17s
